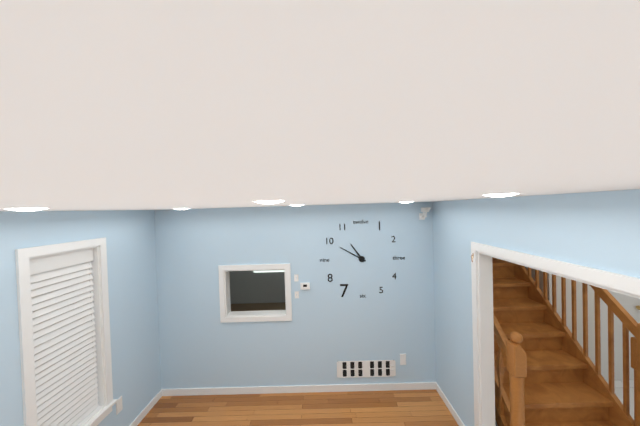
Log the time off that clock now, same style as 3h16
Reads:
10h50
